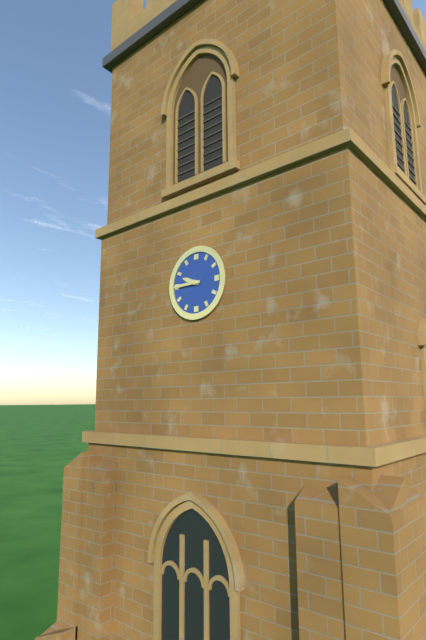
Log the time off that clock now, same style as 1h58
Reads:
9h45
